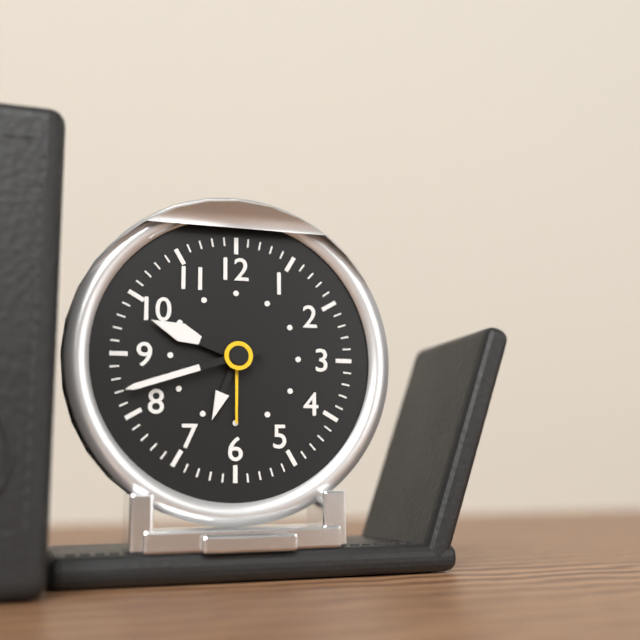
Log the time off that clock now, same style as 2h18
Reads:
9h42
